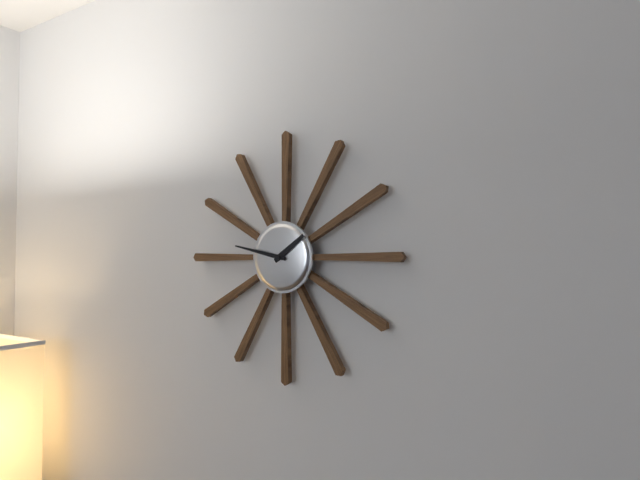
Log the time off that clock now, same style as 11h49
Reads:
1h47
